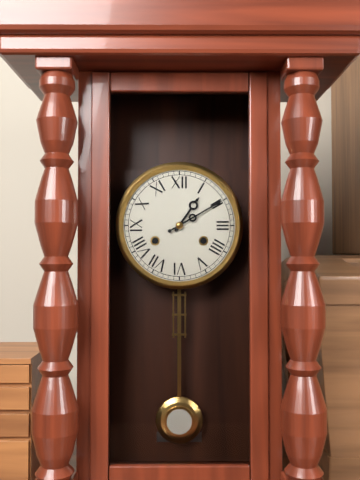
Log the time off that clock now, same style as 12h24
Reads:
1h10
